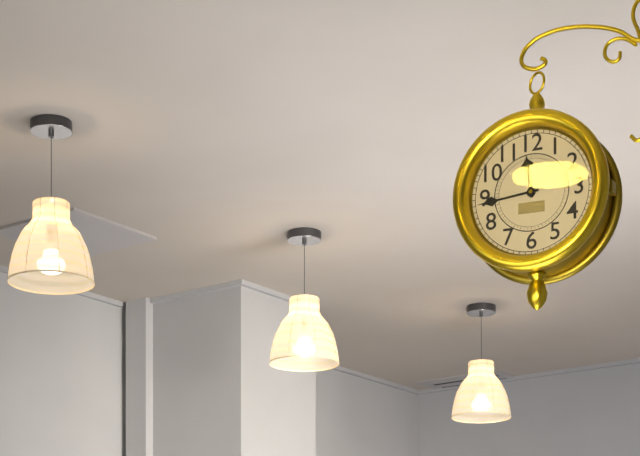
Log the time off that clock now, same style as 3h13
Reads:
11h44
